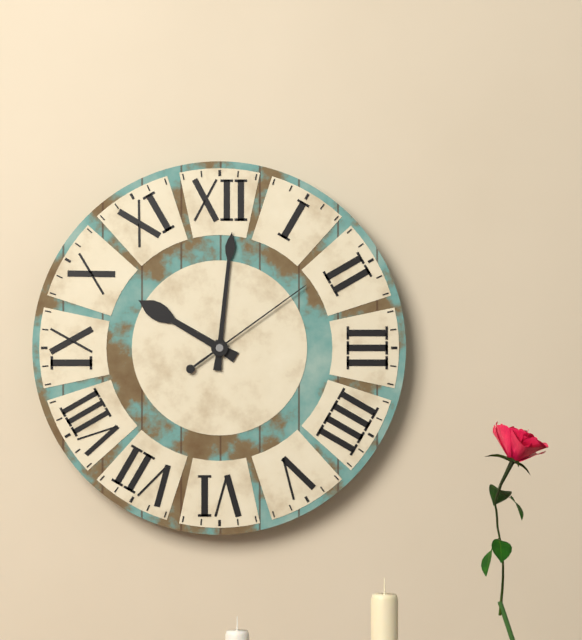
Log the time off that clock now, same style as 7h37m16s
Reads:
10h01m09s
